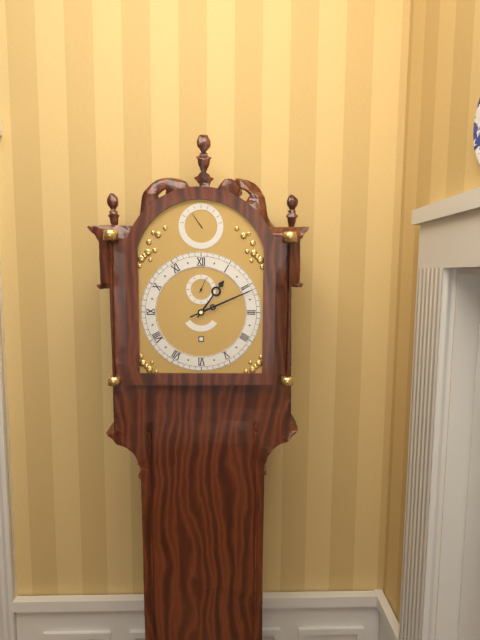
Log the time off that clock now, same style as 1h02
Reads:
1h11
